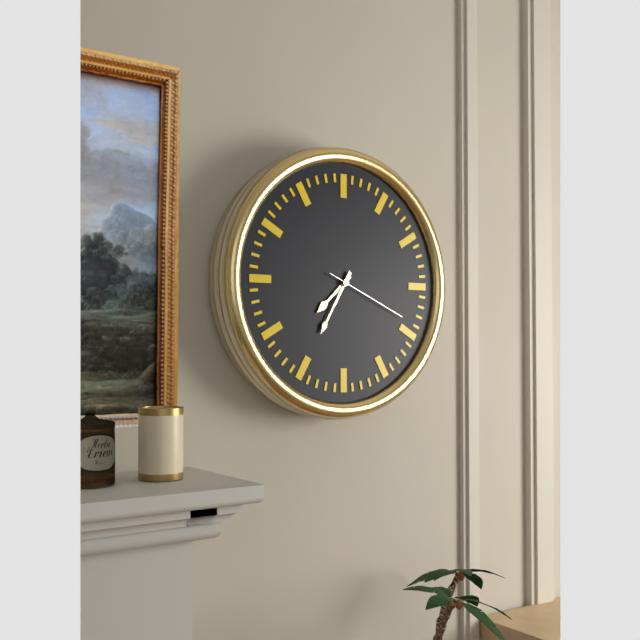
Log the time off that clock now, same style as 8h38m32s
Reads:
7h35m19s
